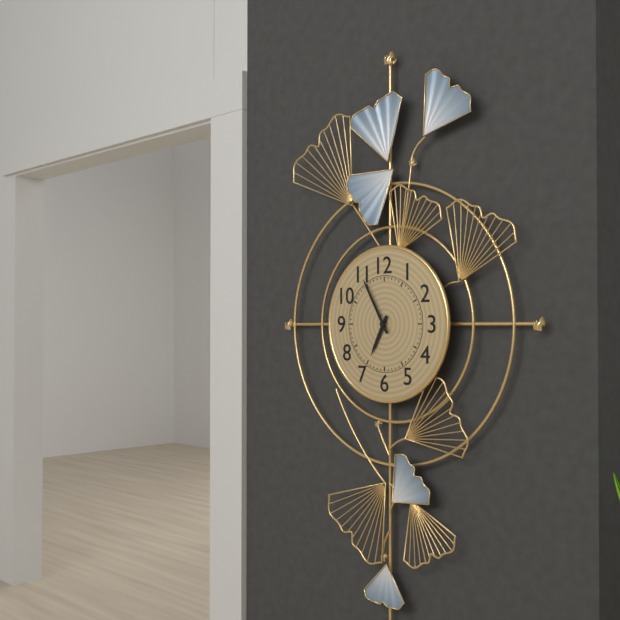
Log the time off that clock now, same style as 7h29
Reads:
6h55
